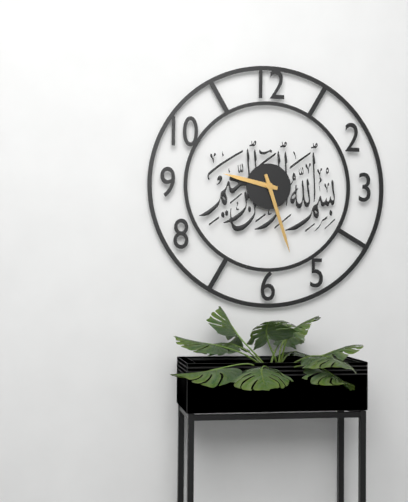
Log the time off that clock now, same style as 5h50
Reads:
9h27
